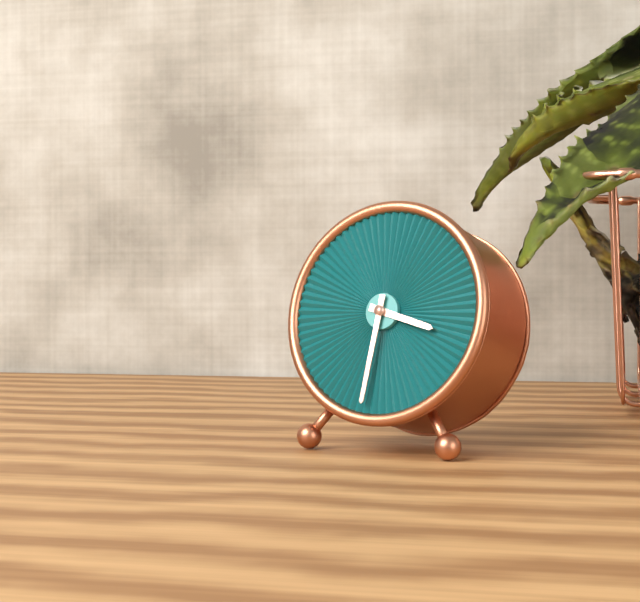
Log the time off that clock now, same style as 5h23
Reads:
3h31
